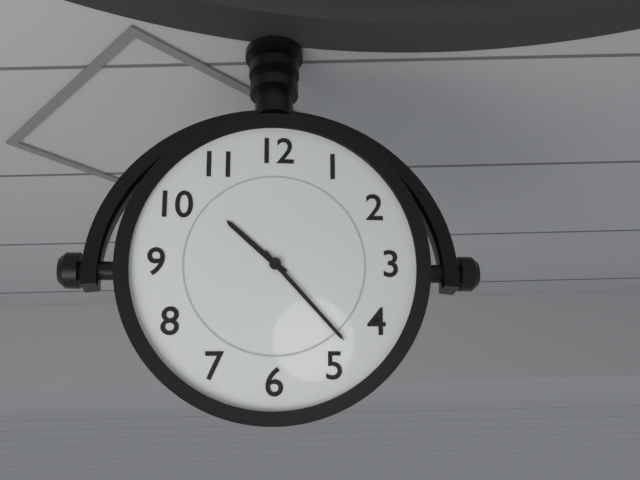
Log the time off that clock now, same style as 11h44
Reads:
10h23
